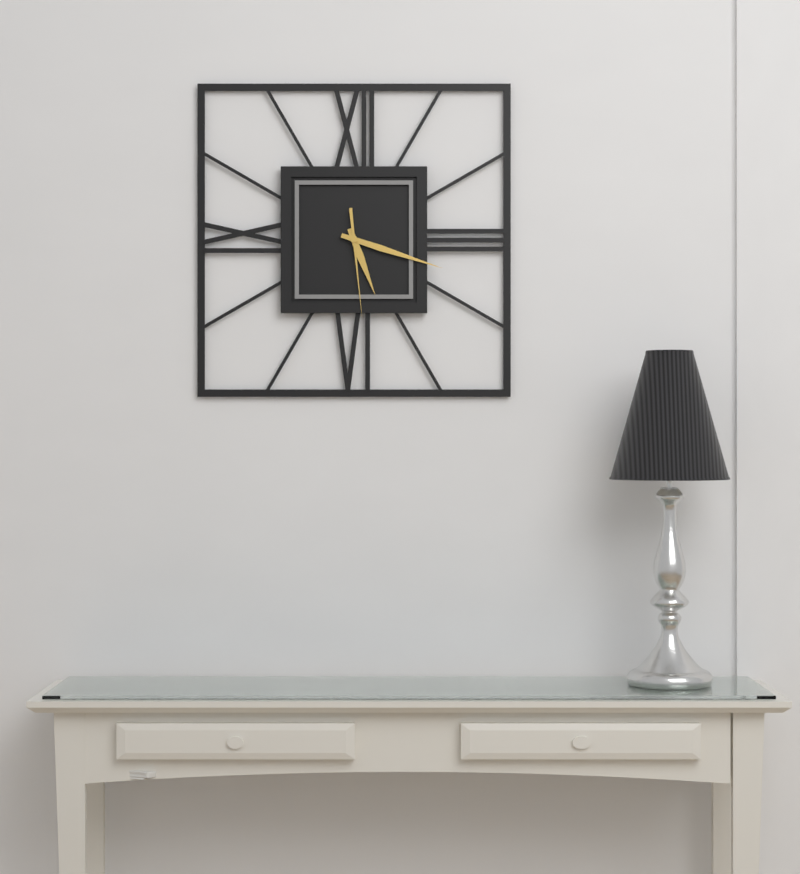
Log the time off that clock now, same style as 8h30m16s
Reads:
5h18m29s
